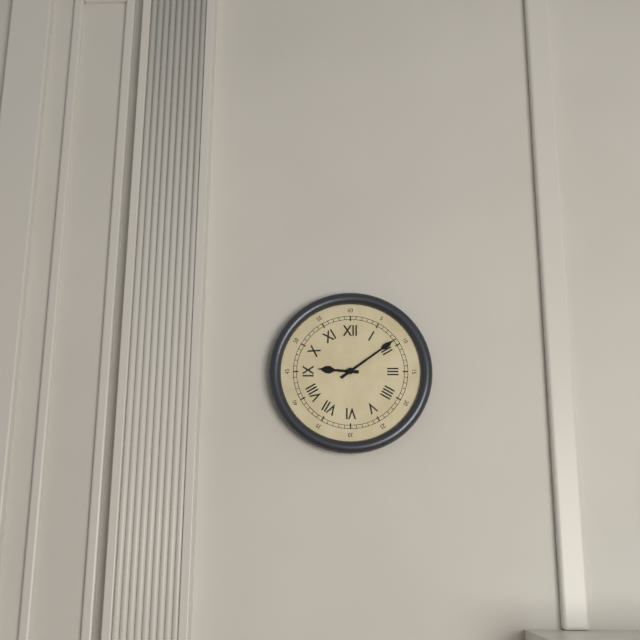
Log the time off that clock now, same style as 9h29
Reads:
9h09
